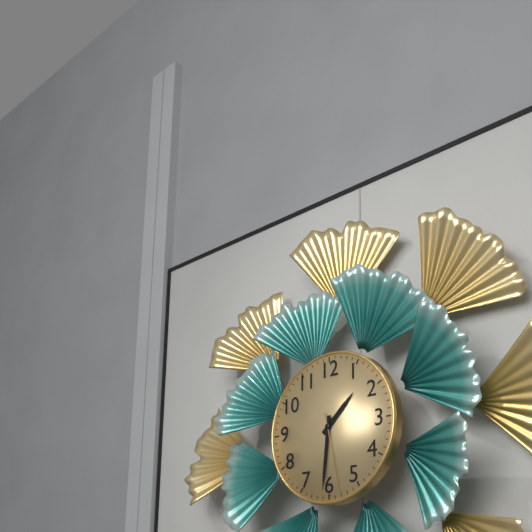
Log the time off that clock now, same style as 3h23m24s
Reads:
1h31m28s
